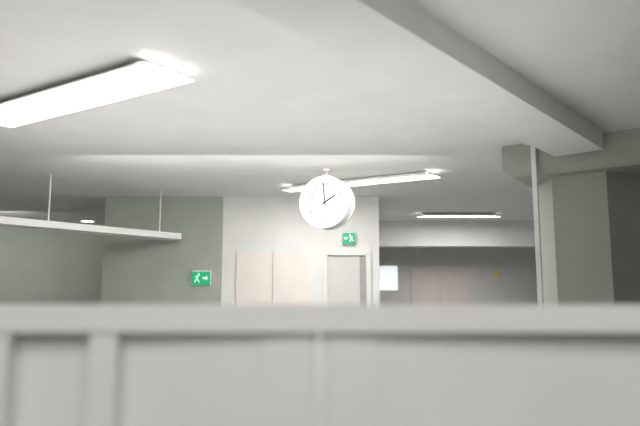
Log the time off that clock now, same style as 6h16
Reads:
1h59
